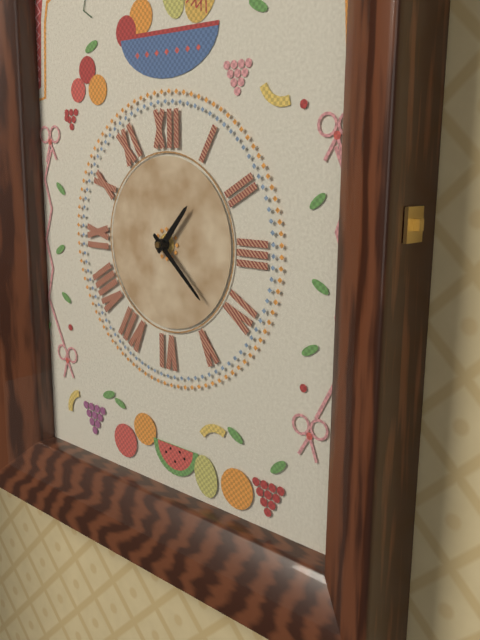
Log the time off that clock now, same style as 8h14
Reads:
1h22
